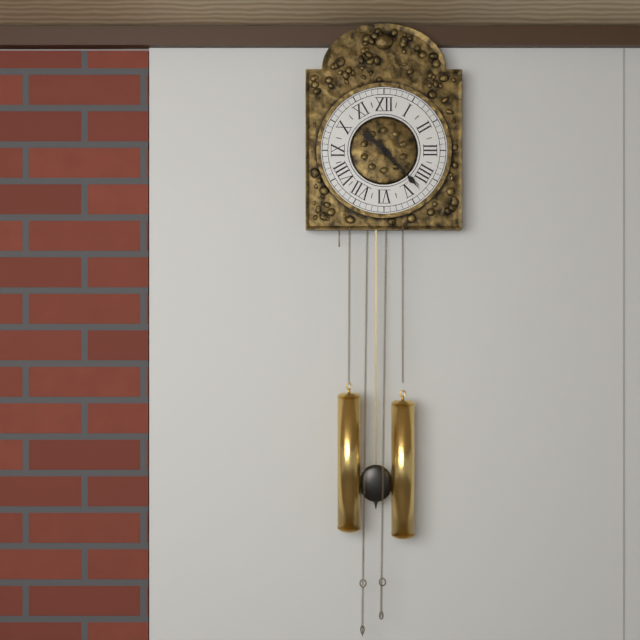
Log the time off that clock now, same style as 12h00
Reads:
10h23
